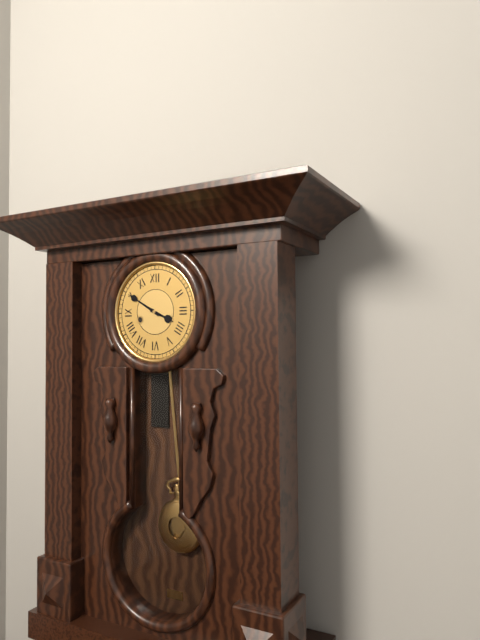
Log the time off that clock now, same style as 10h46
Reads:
3h50
